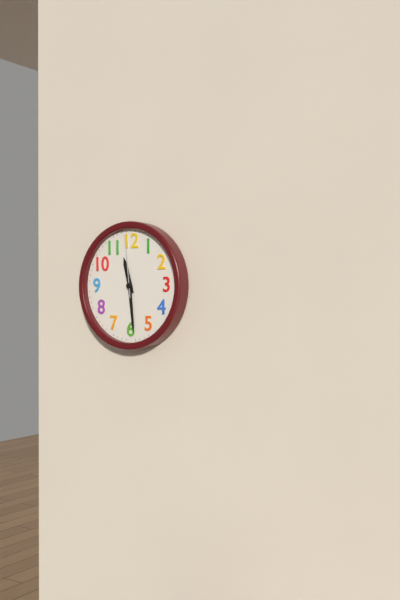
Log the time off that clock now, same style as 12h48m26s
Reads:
11h29m59s
